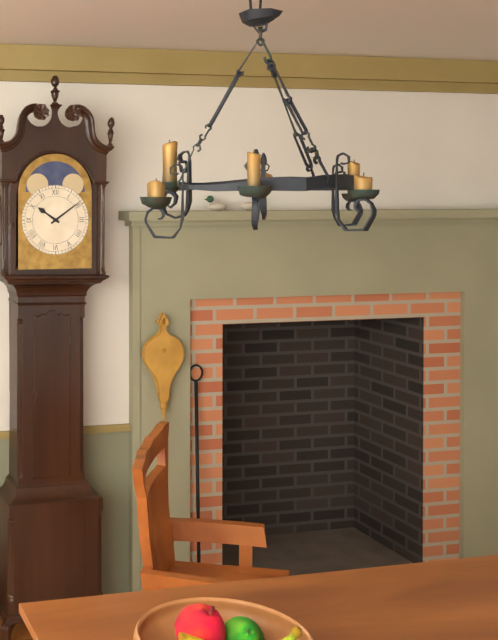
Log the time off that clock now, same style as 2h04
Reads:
10h09
